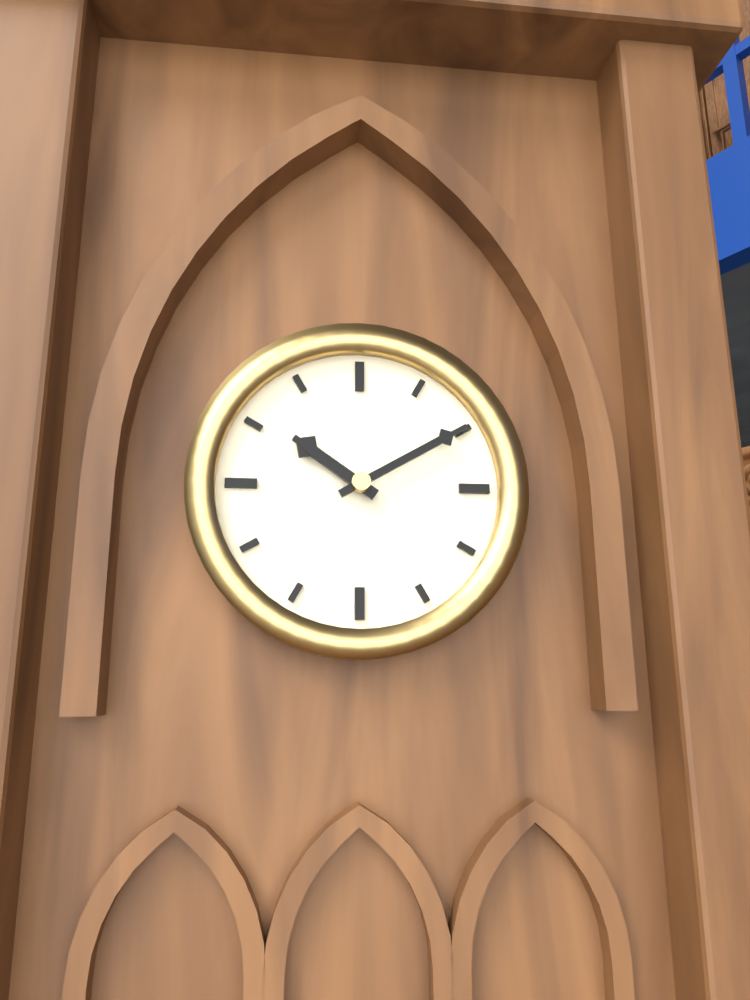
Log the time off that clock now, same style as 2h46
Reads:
10h10
